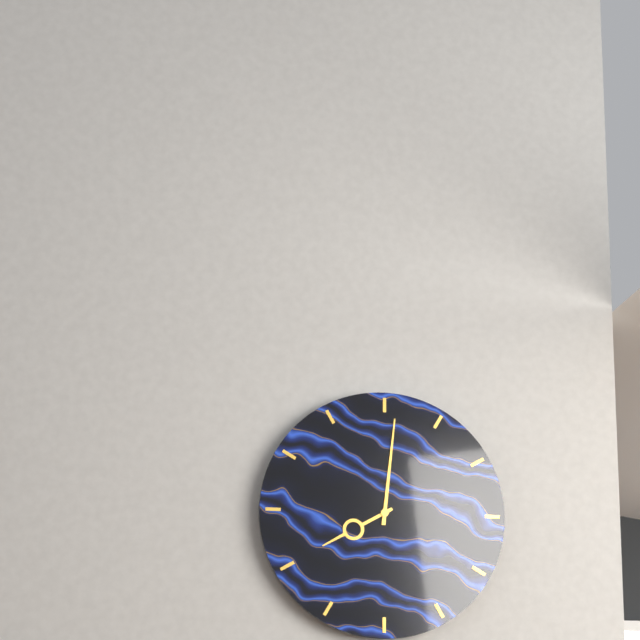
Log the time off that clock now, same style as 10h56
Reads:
8h01
